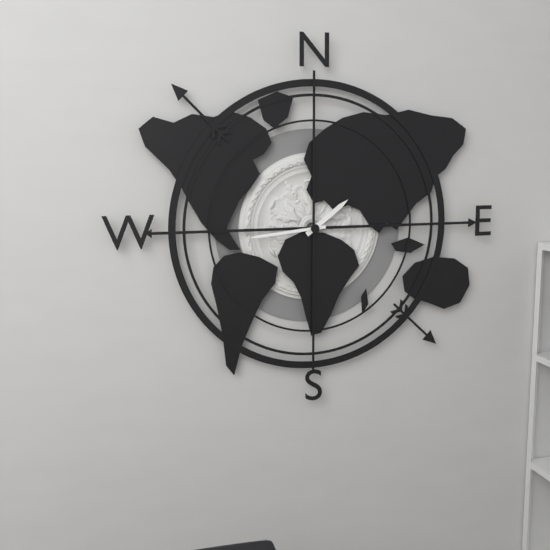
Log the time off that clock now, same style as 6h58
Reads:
1h44
